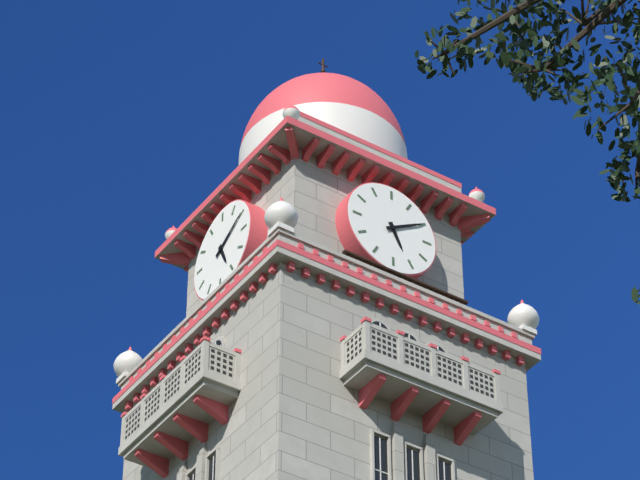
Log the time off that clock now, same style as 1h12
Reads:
5h10
